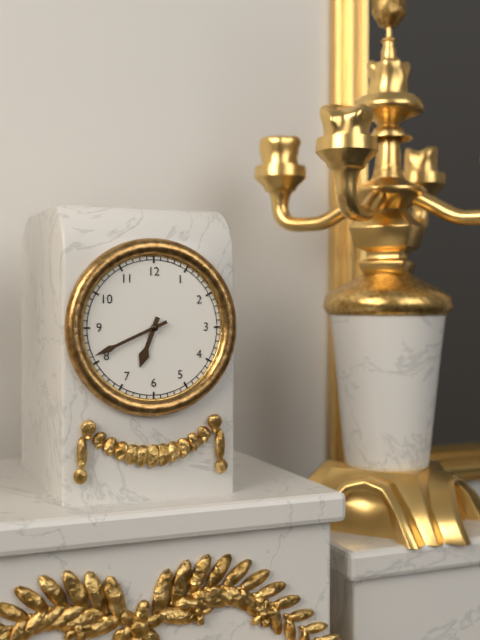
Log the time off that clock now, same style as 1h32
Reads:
6h41
